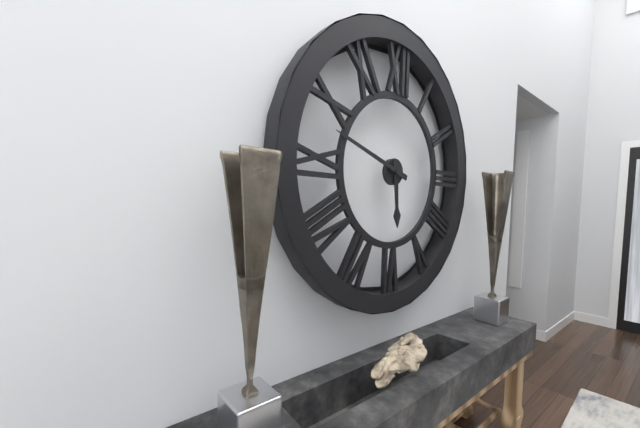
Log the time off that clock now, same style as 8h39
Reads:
5h48
